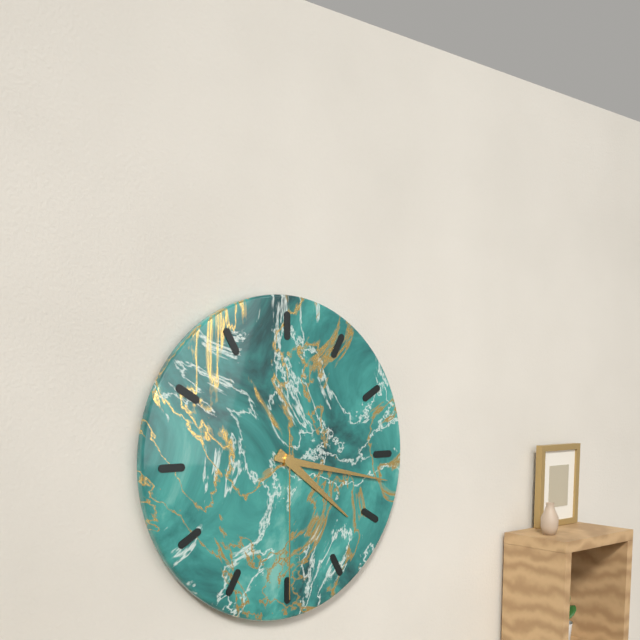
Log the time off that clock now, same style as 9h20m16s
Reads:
4h17m30s
